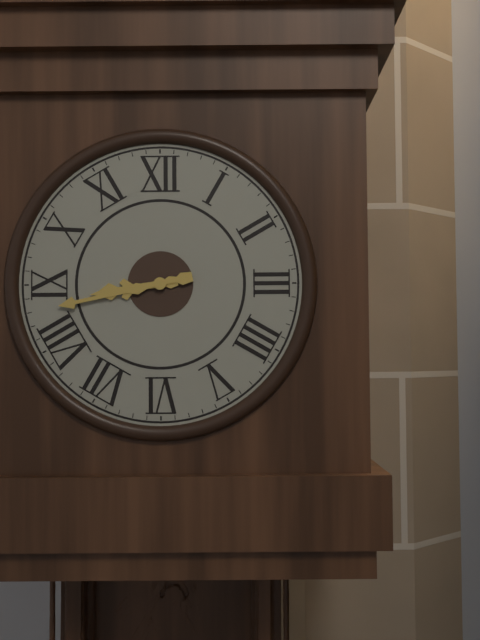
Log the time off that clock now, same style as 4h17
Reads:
8h43
